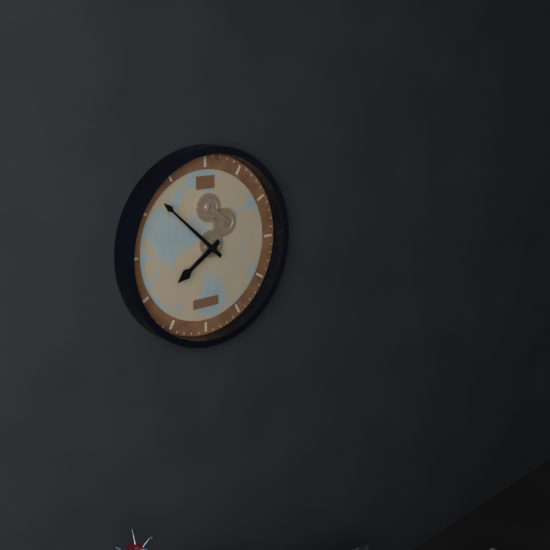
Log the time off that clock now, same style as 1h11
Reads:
7h52
